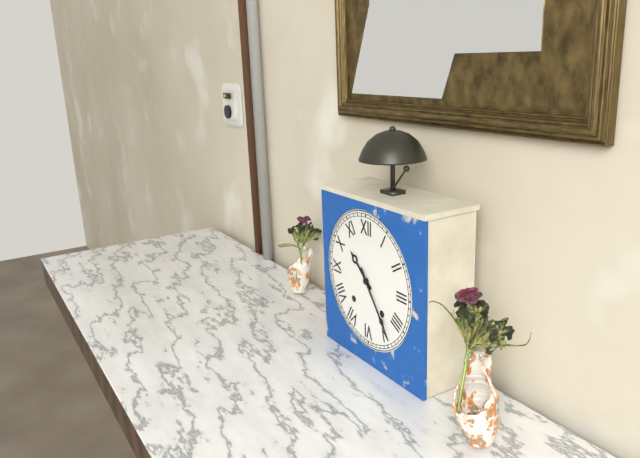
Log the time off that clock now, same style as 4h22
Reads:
10h24
